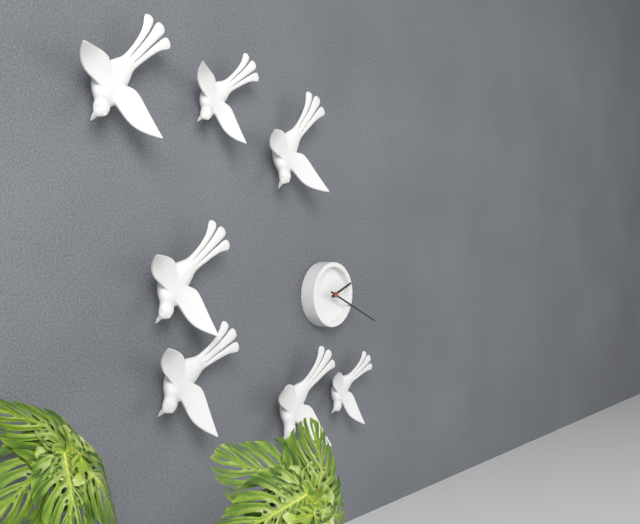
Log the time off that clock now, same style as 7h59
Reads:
2h19
